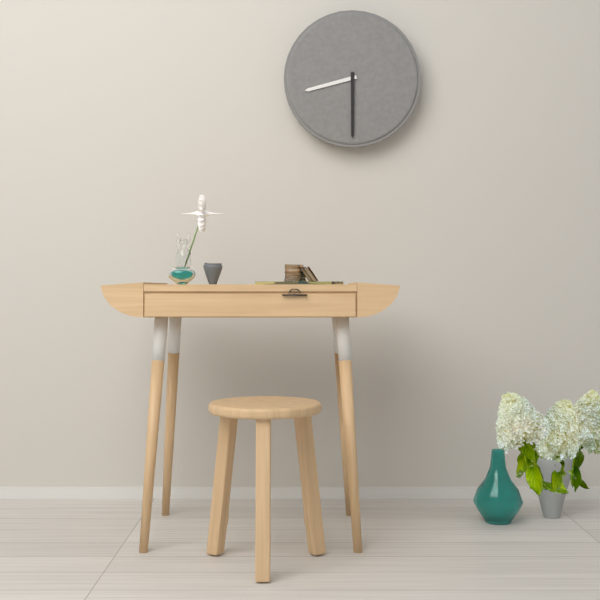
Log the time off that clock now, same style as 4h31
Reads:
8h30
